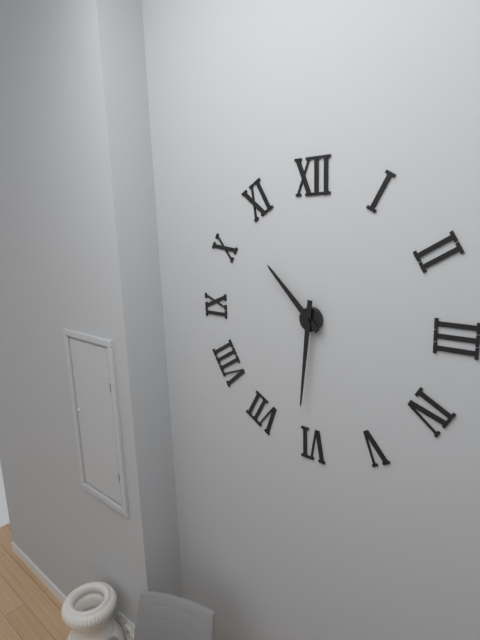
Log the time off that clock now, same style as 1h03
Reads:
10h31
